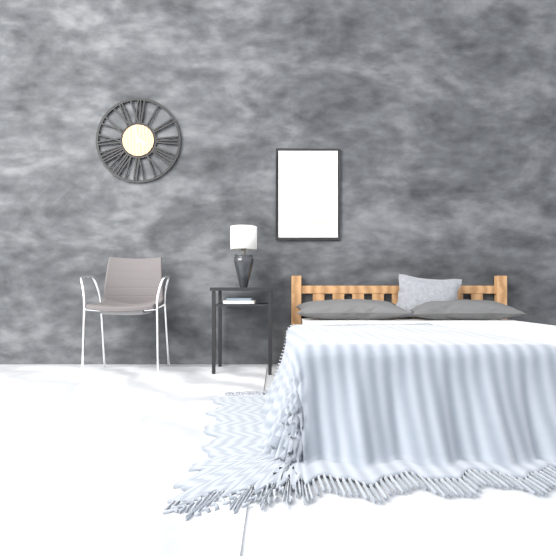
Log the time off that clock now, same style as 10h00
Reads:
3h58
